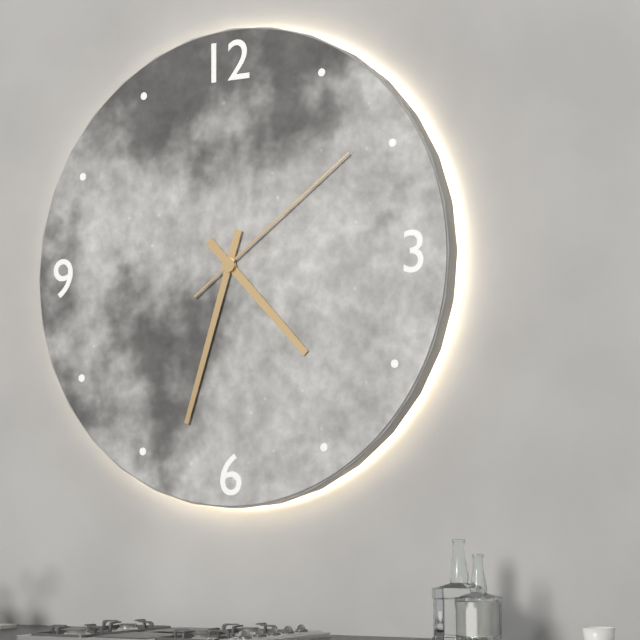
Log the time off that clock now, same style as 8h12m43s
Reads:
4h33m09s
